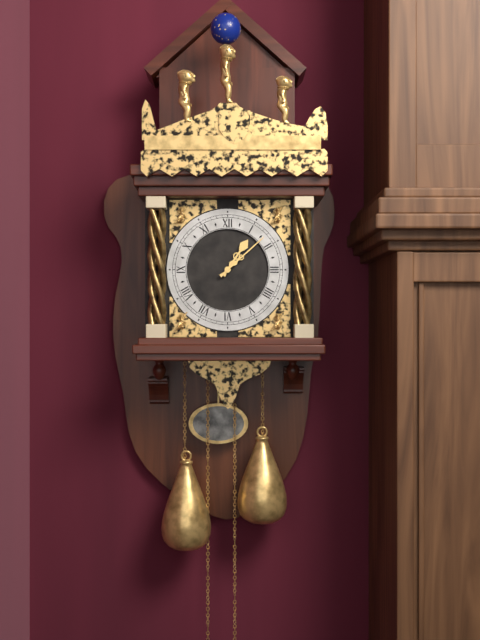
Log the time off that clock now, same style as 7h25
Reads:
1h08
